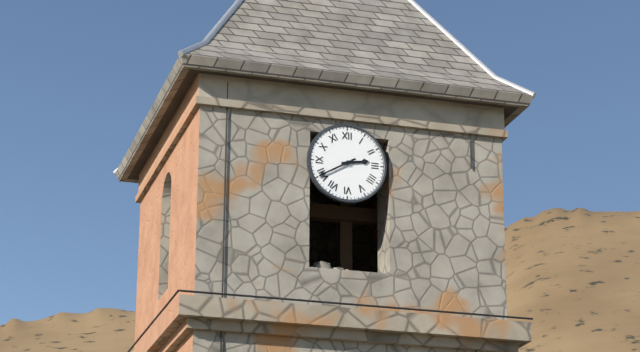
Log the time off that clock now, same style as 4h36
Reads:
2h40
